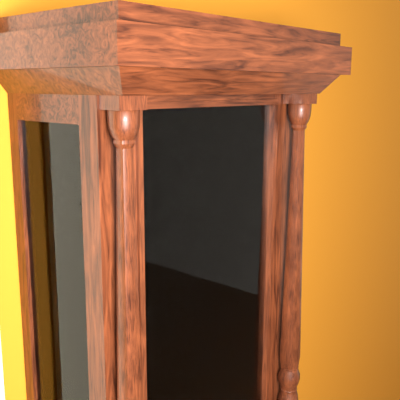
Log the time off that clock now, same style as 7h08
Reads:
4h17
